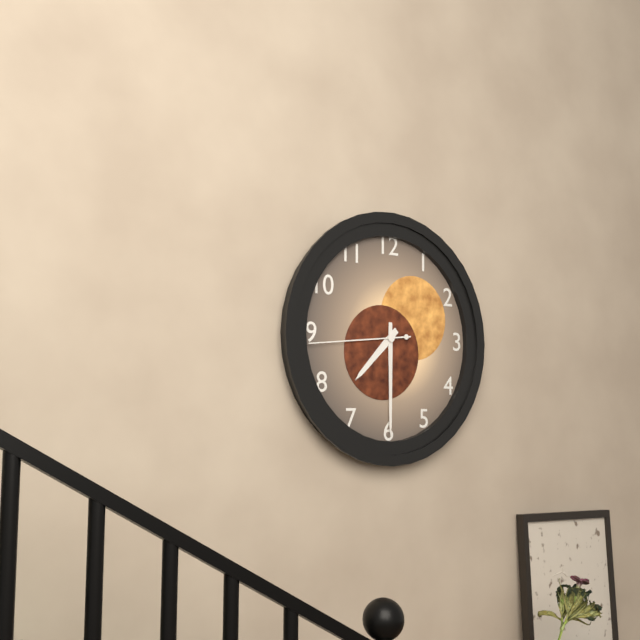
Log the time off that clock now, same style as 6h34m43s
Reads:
7h30m44s
